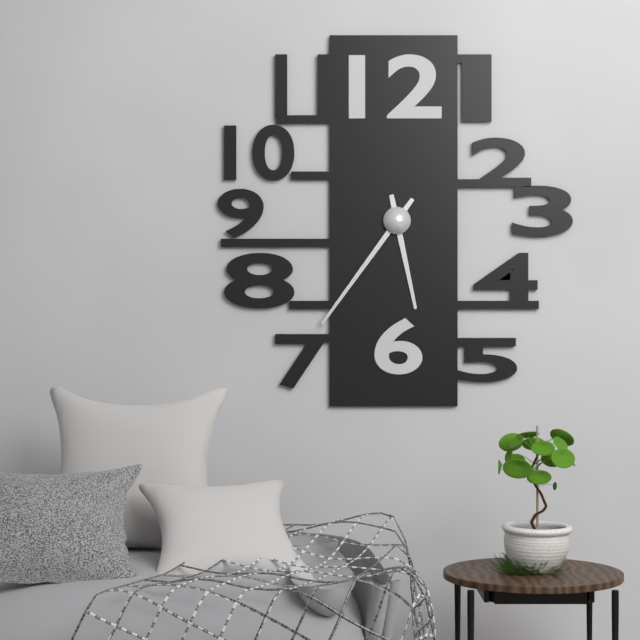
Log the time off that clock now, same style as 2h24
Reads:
5h36
